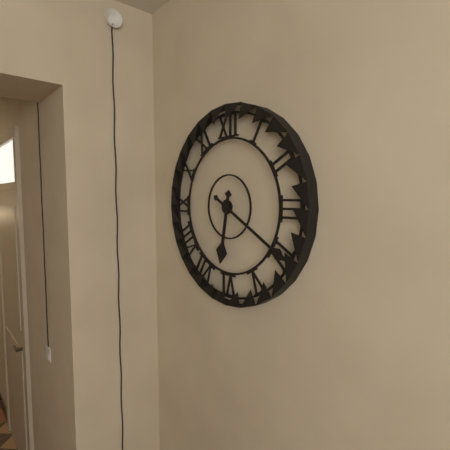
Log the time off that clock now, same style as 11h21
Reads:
6h20
